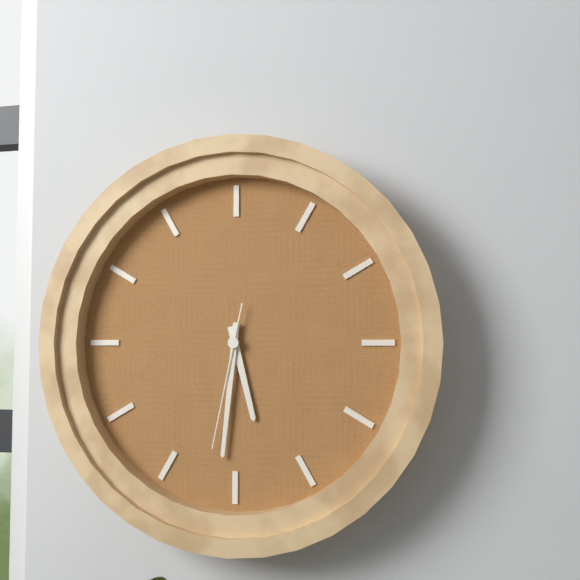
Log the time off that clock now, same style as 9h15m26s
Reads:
5h31m32s
